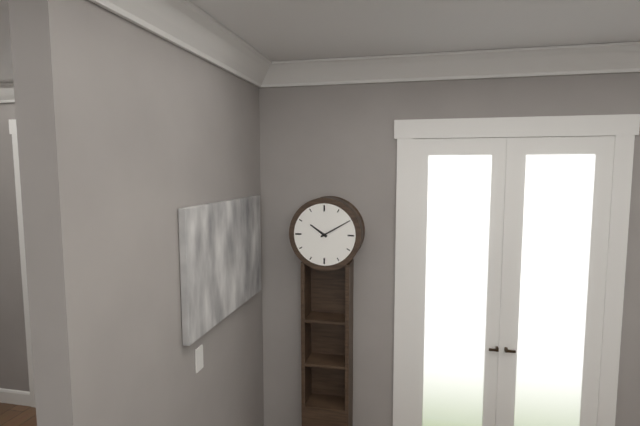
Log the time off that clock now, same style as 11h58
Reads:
10h10
